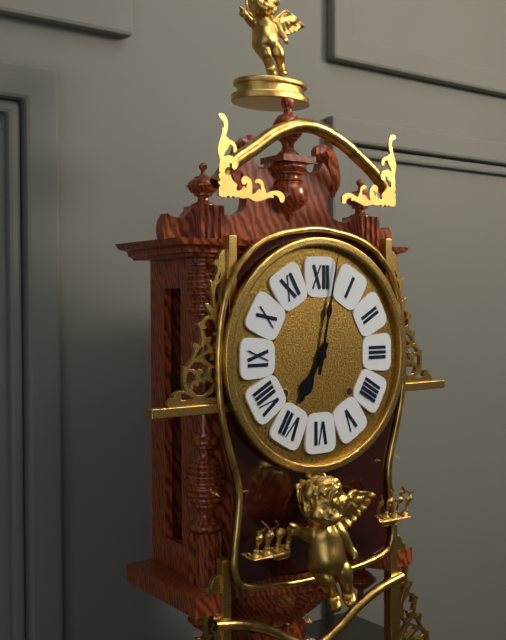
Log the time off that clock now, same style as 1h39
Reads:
7h02
